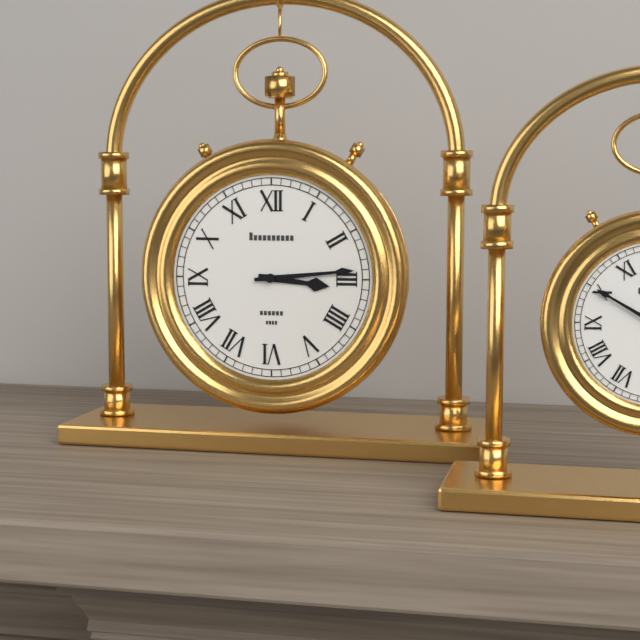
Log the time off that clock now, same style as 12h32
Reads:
3h14
